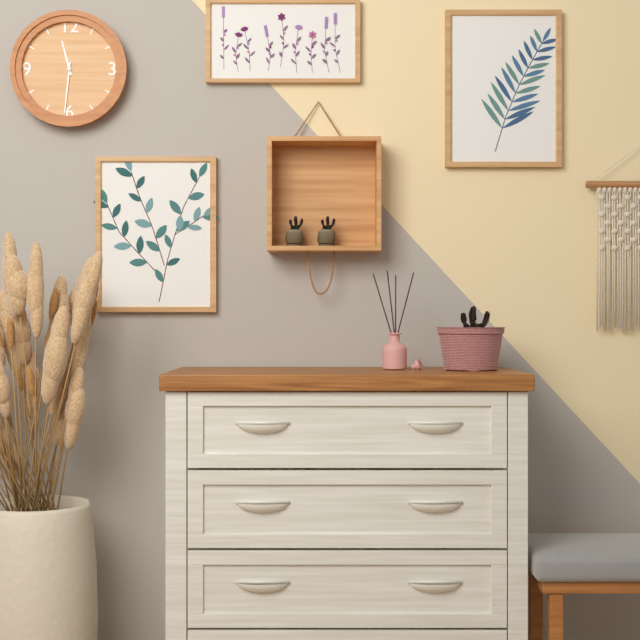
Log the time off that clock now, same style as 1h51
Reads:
11h31
